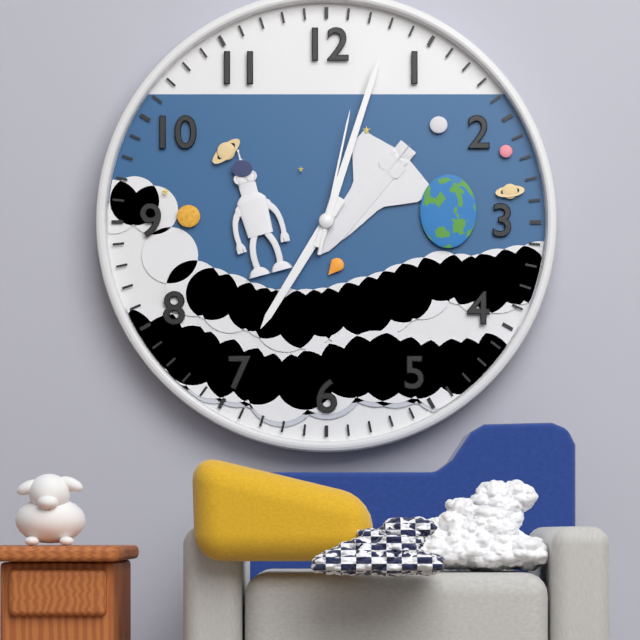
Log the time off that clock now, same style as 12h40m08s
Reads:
7h03m02s
